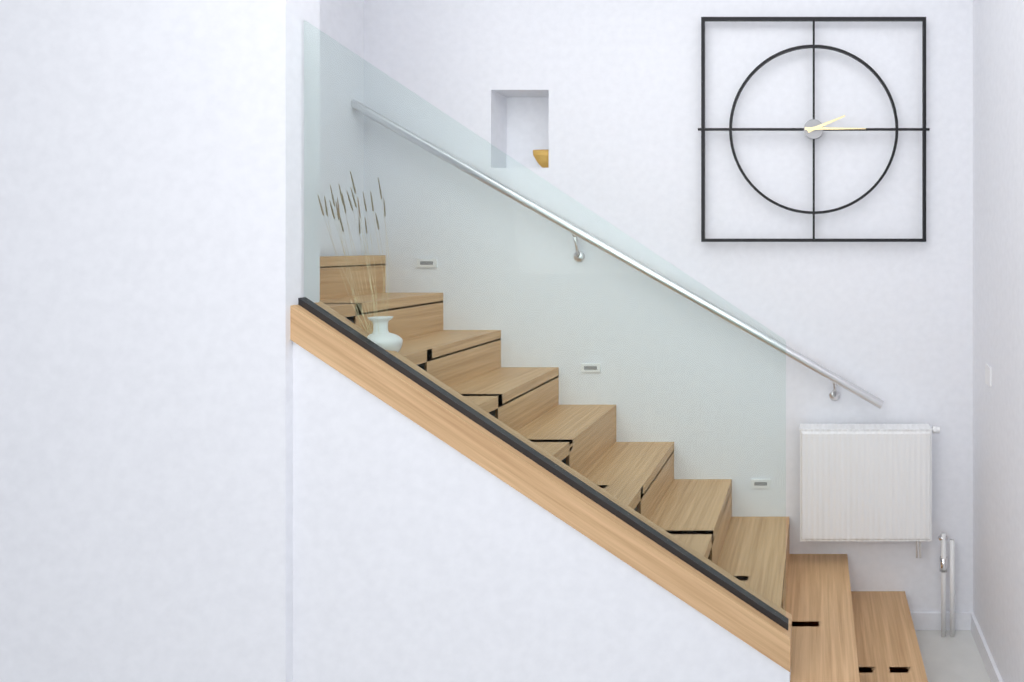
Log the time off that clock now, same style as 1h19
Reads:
2h15
